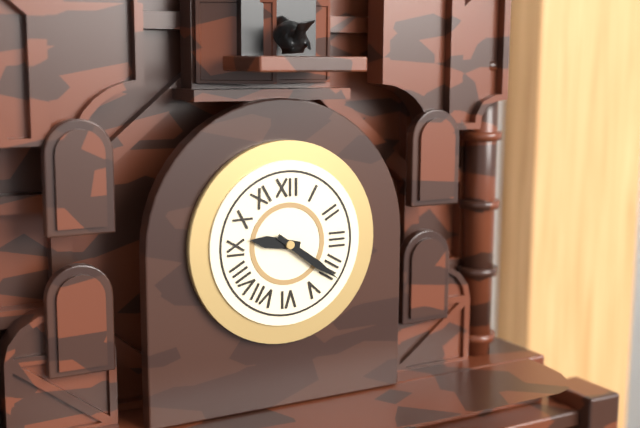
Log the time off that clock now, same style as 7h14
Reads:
9h21
